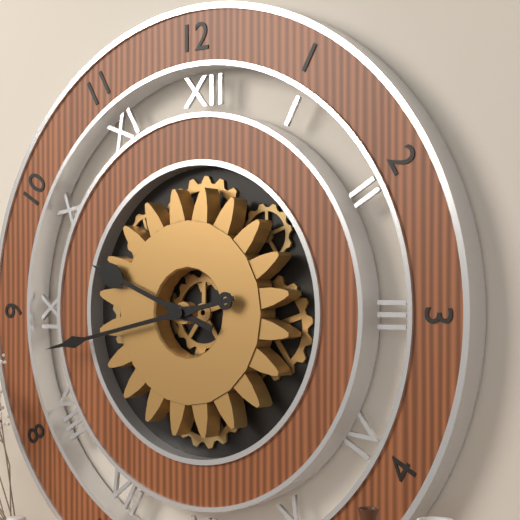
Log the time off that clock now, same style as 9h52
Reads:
9h43
